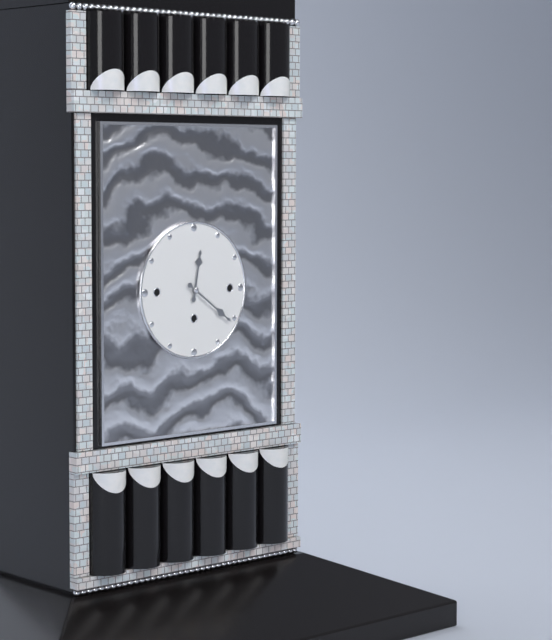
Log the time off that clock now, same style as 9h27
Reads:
12h21
